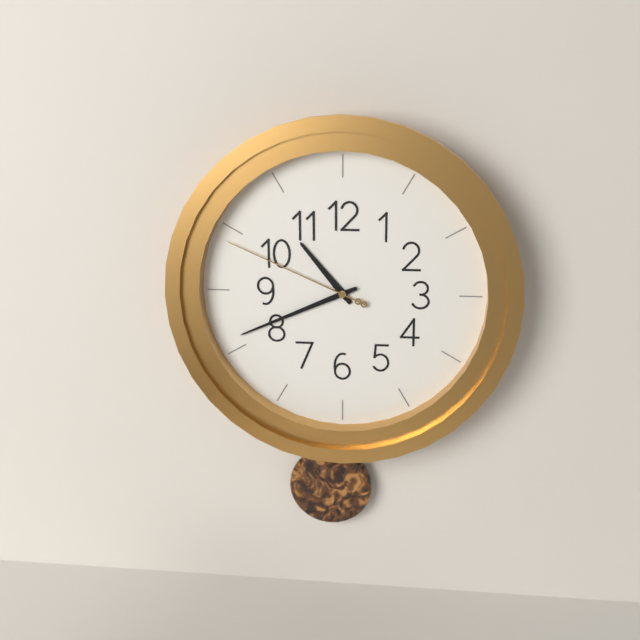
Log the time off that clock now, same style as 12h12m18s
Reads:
10h41m49s
